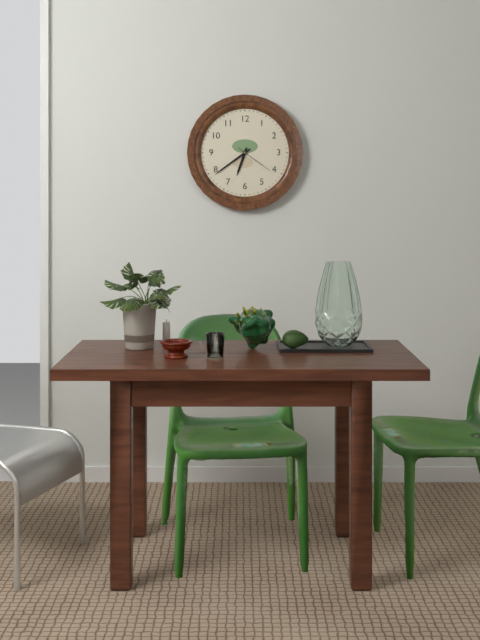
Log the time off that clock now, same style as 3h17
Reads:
6h39
